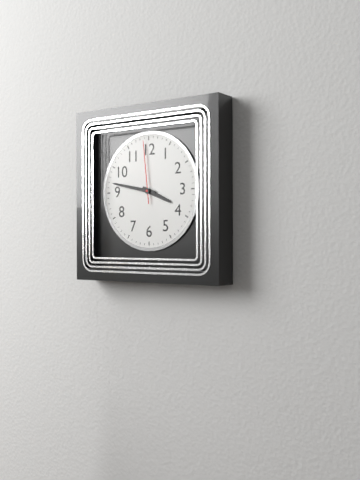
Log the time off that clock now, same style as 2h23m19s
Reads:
3h47m59s
